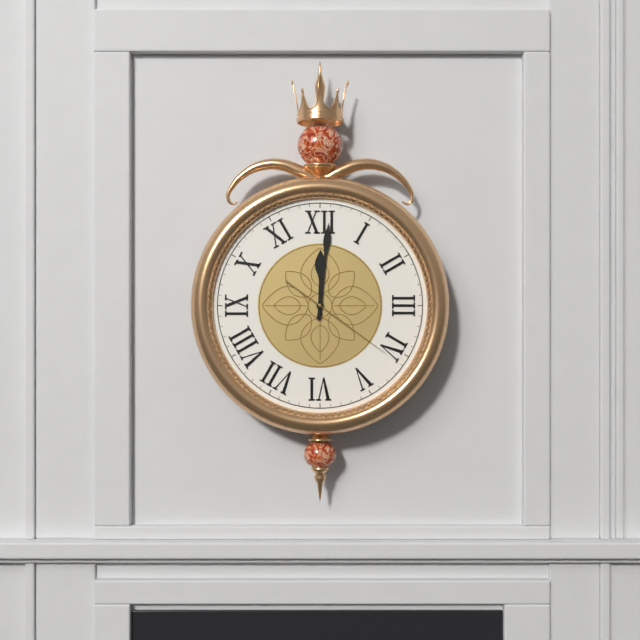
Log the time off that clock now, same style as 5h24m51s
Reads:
12h01m21s
